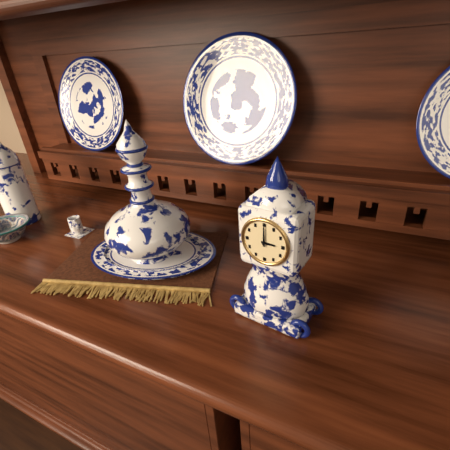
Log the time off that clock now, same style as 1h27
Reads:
3h00
